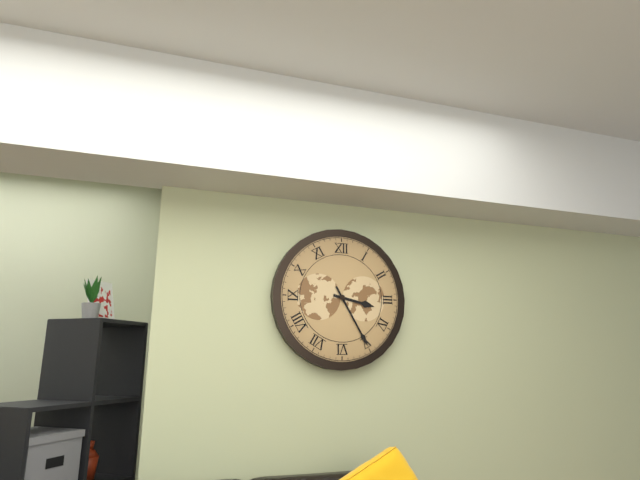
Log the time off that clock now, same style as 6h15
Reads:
3h25
